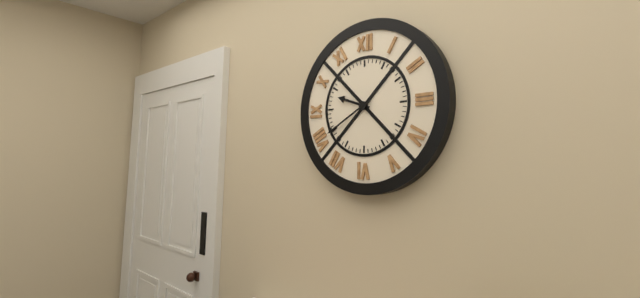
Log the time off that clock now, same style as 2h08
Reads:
9h40
